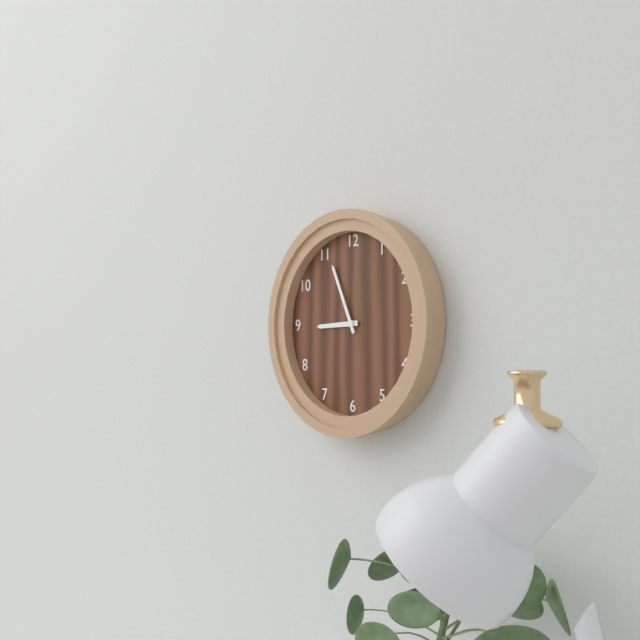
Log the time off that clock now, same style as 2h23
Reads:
8h56
